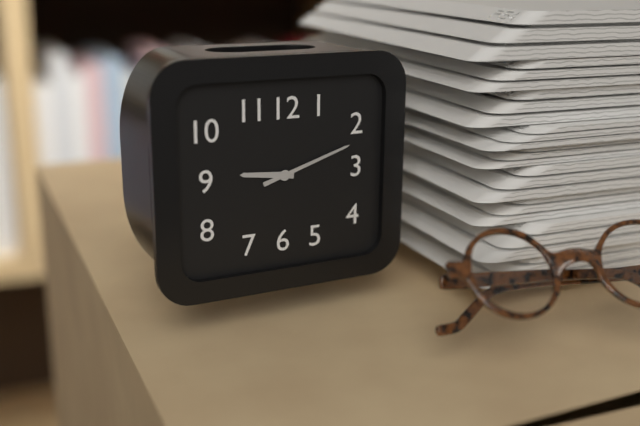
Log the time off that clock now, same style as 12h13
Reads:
9h12
